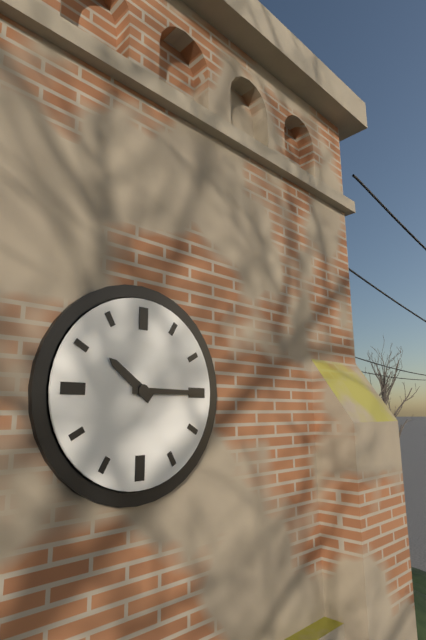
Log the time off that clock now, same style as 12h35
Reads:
10h15
